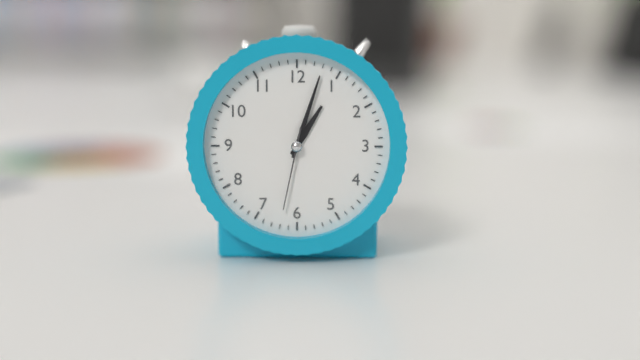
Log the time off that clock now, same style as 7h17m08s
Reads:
1h03m32s
